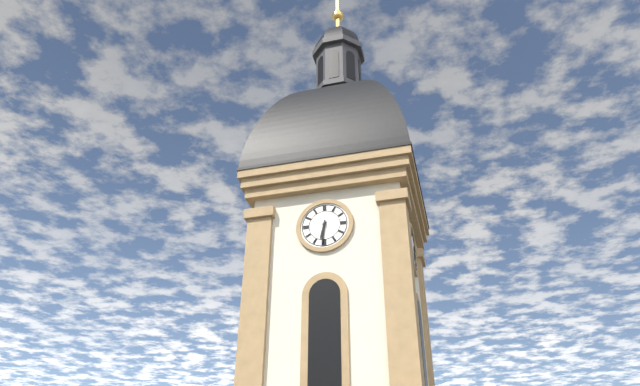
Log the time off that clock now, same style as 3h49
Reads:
6h31
